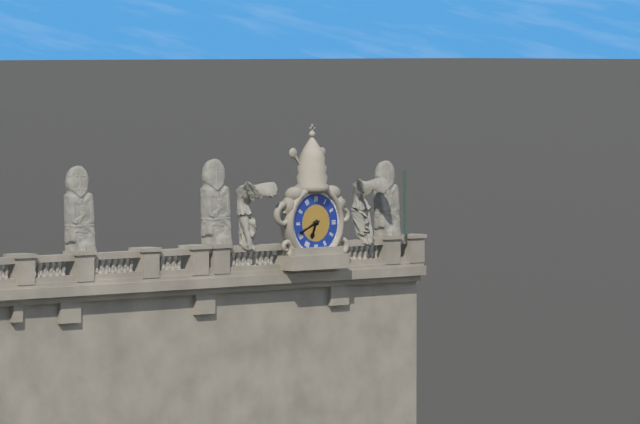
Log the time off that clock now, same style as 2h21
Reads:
6h41
